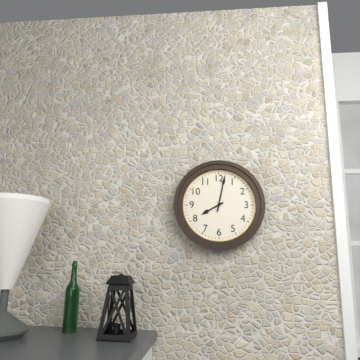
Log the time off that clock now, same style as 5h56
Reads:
8h02
